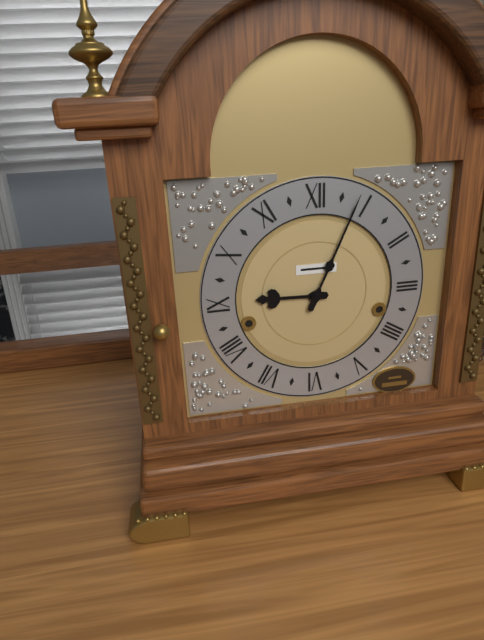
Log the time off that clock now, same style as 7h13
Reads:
9h04
